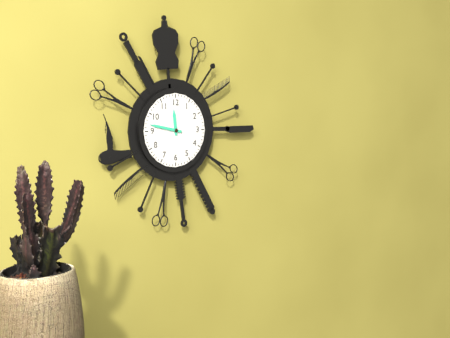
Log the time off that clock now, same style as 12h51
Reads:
11h47
